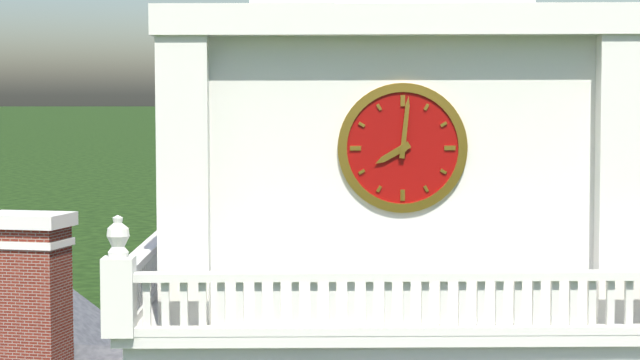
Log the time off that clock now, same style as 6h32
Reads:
8h01
